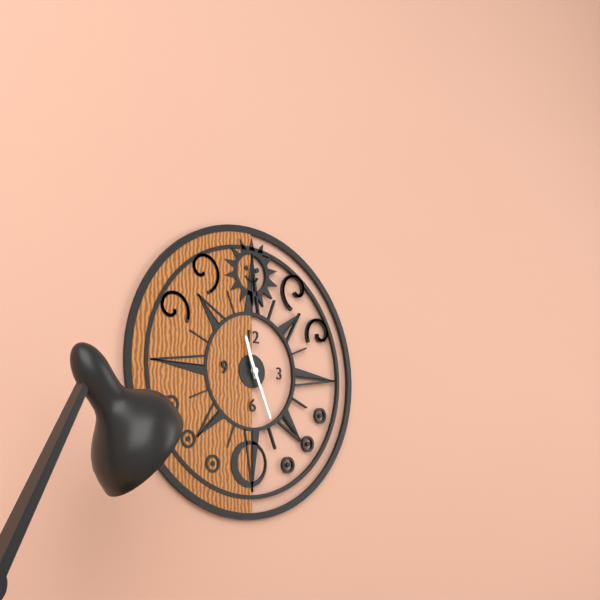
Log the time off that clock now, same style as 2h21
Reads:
11h26
